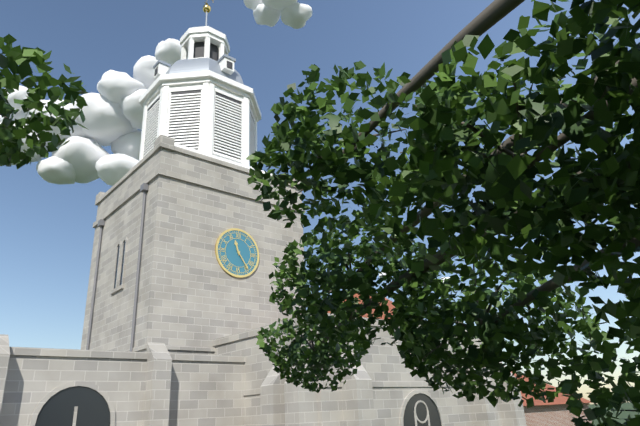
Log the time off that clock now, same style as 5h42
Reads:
11h24
